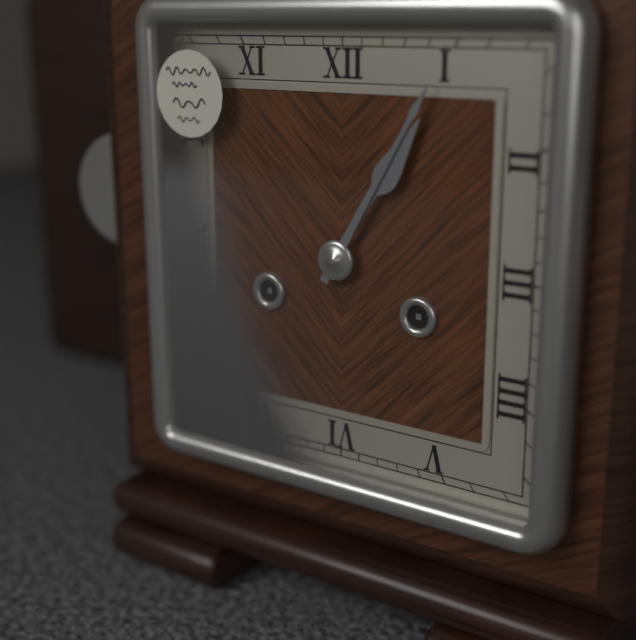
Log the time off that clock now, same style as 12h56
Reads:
1h05
